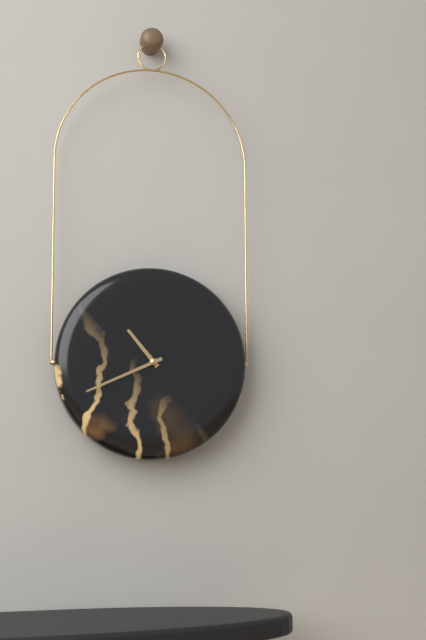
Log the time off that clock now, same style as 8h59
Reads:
10h41
